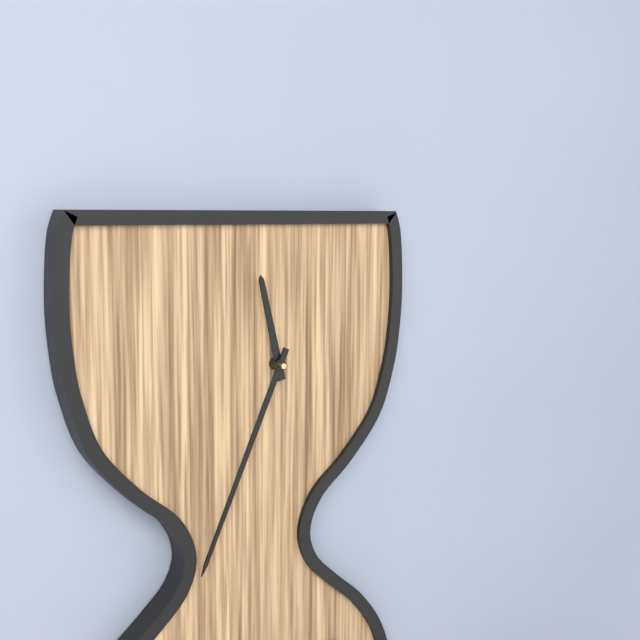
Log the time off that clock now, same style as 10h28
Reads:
11h34
